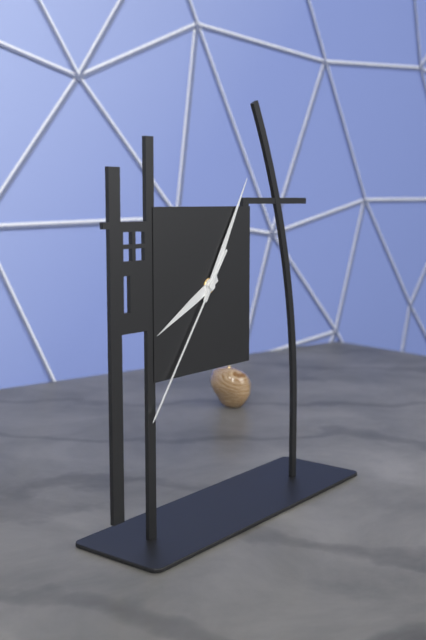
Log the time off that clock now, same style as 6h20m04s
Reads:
8h05m36s
